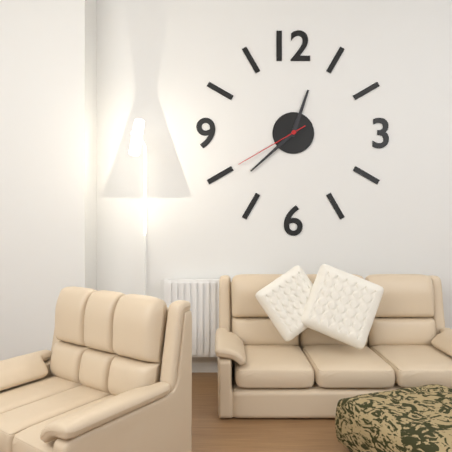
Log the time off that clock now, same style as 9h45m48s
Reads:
12h38m40s
